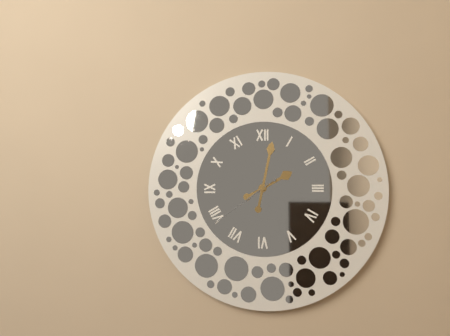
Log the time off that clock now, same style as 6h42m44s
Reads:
2h02m39s
